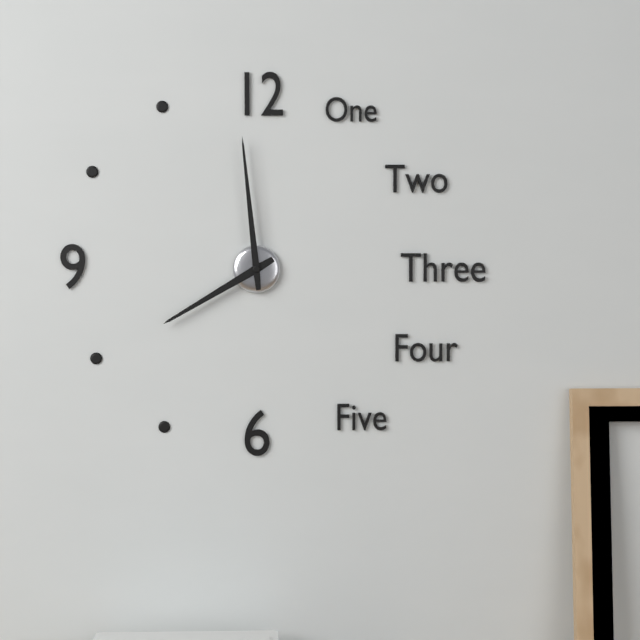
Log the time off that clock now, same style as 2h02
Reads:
7h59
